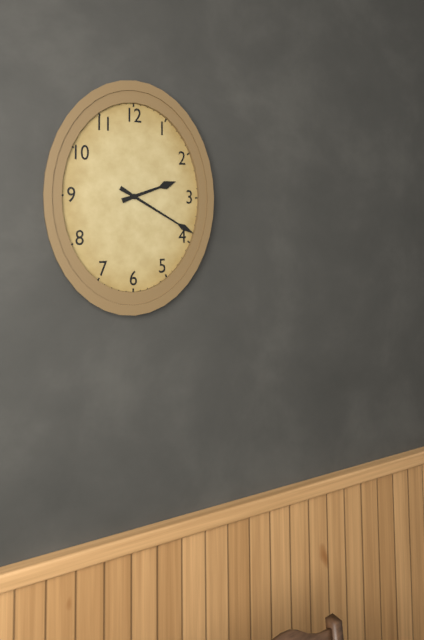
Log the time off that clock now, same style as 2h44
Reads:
2h20
